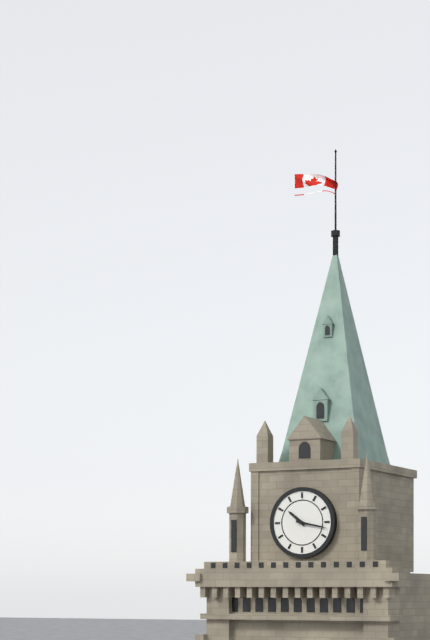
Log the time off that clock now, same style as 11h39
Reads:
10h17
